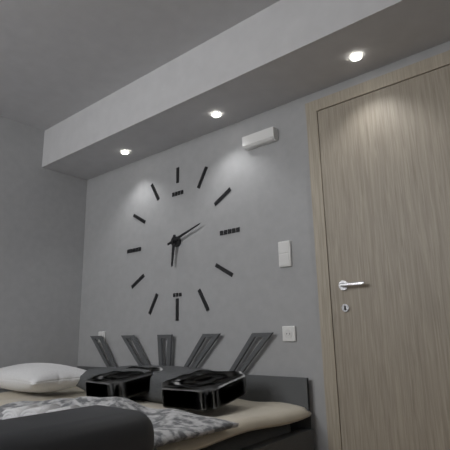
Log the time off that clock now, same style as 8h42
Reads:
6h12
